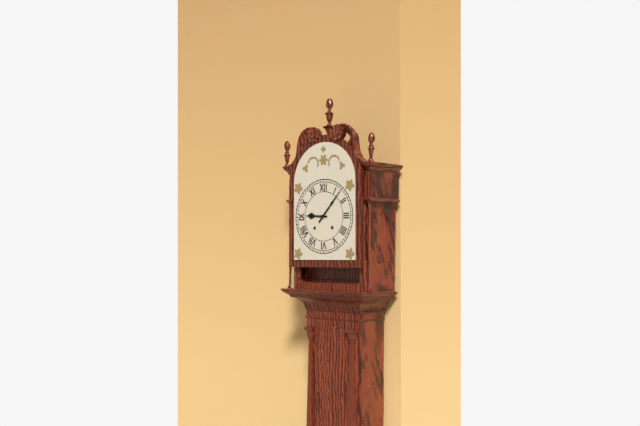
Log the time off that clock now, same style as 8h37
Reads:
9h07
